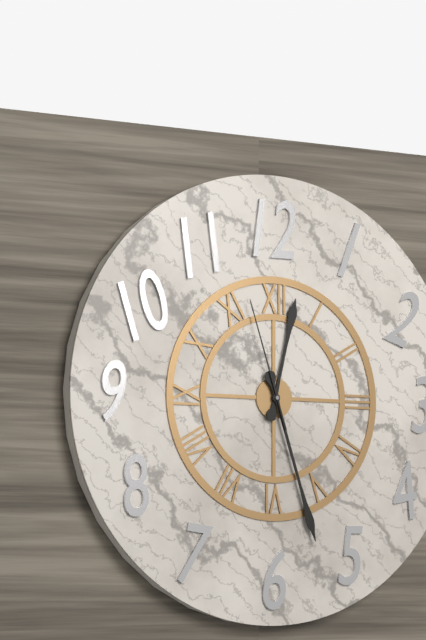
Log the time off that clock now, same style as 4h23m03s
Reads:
12h27m57s
